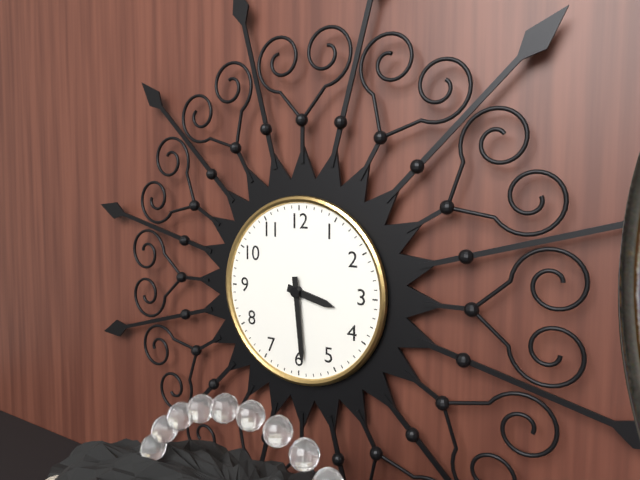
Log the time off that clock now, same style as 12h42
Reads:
3h29
